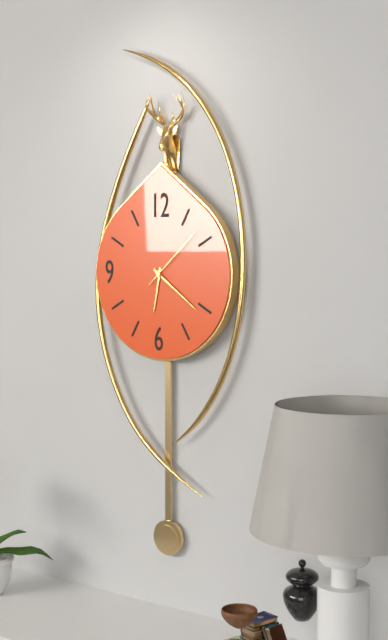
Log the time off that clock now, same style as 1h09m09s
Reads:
6h21m08s
